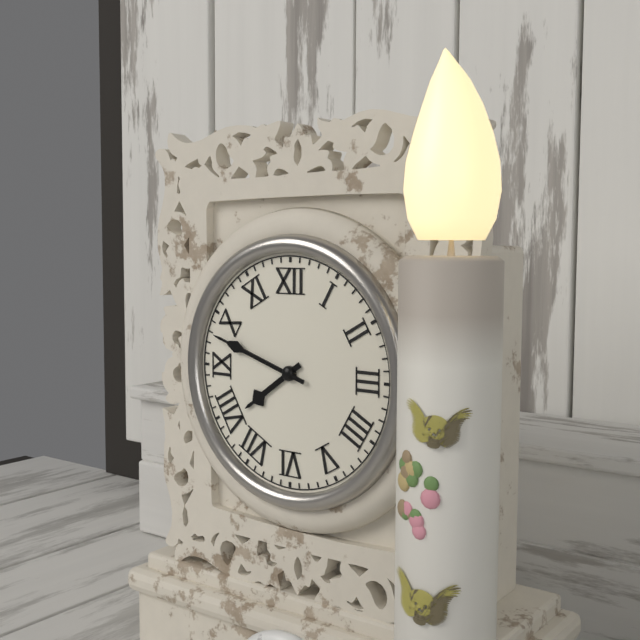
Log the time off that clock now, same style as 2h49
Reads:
7h48
